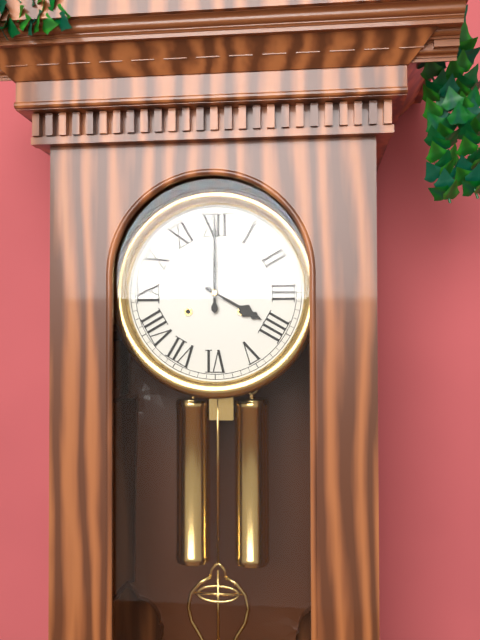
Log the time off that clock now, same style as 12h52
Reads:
4h00
